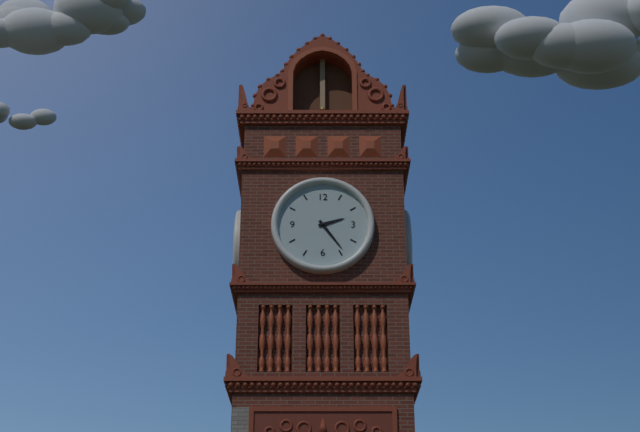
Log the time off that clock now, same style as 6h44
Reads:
2h24
